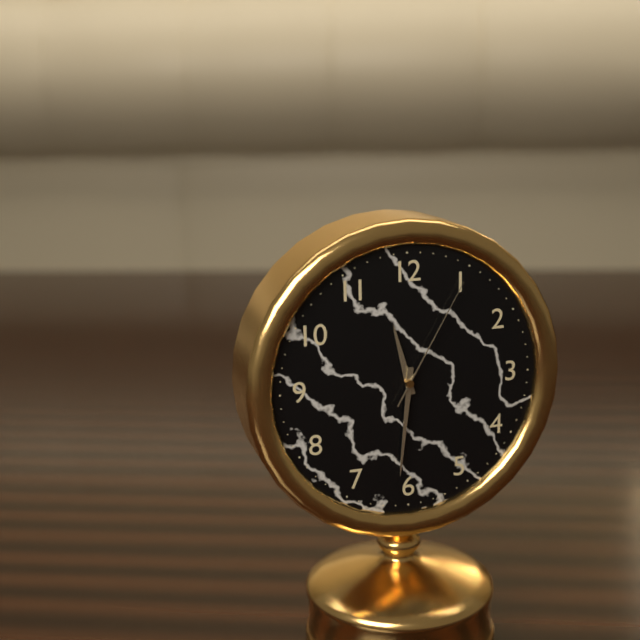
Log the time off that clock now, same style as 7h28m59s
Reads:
11h31m05s
